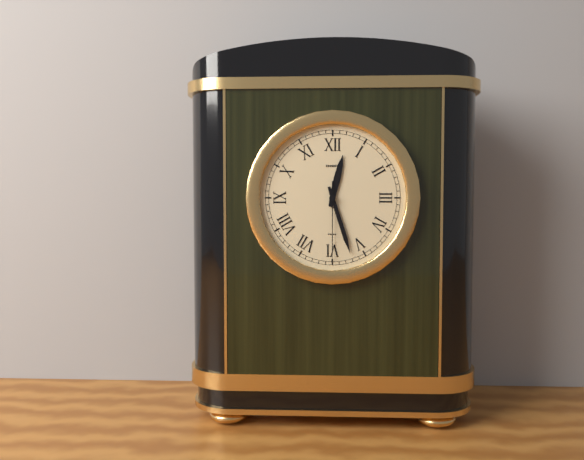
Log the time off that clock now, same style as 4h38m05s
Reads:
12h27m30s
